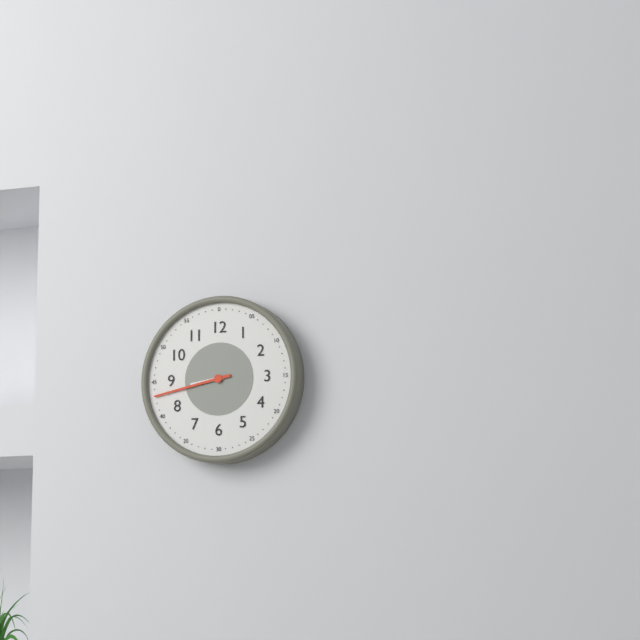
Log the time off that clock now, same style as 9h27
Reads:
8h43
